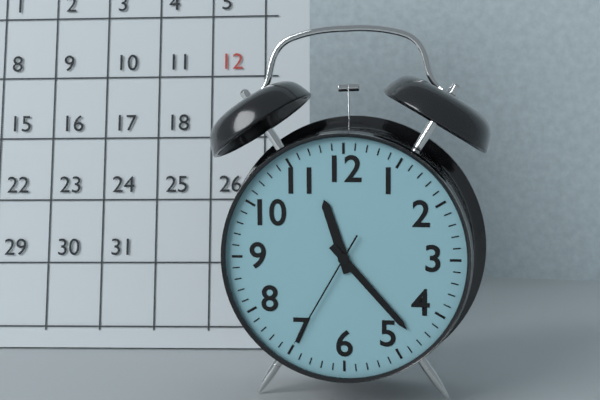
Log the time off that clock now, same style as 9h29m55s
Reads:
11h23m35s
